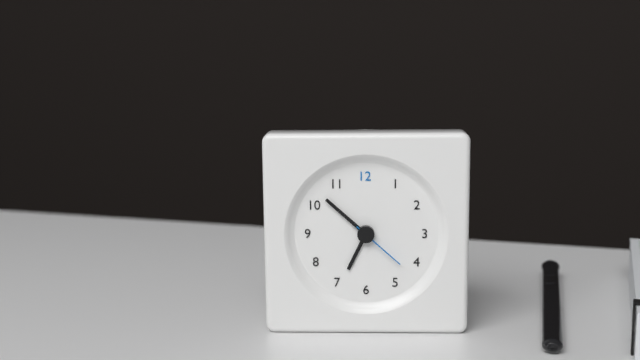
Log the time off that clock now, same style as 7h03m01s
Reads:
6h52m22s
